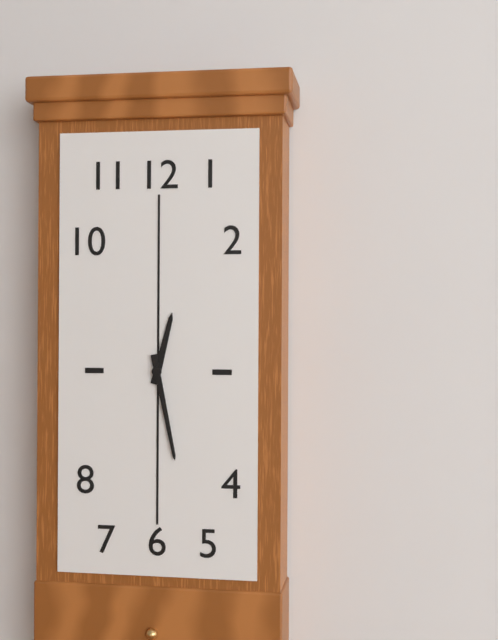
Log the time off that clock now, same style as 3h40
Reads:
12h28
